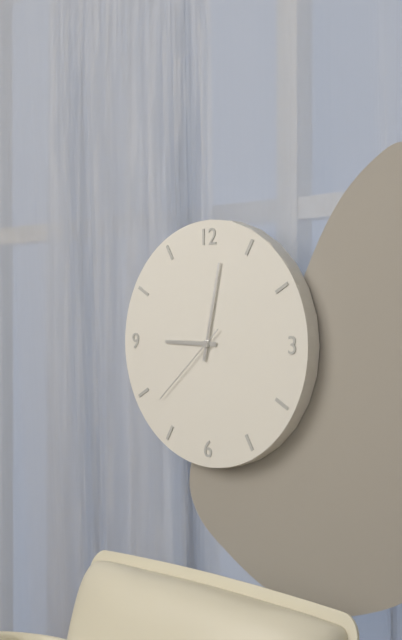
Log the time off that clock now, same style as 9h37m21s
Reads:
9h02m38s
